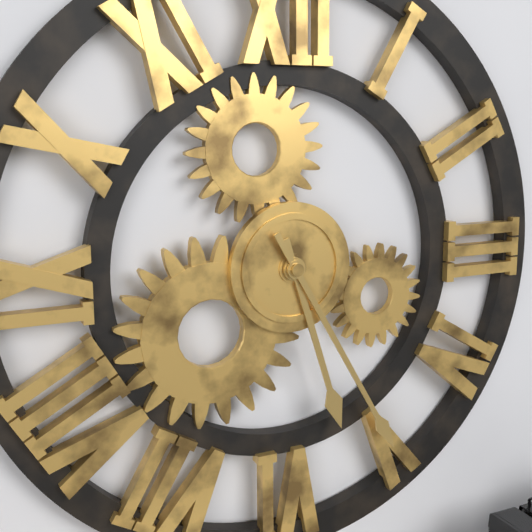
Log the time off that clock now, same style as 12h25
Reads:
5h25
